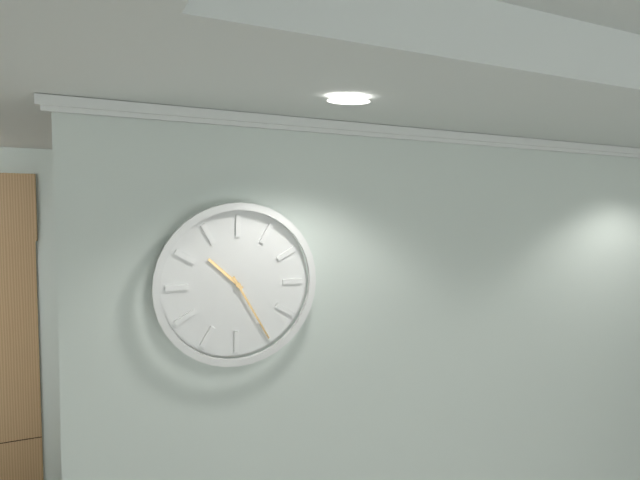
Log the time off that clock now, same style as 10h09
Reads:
10h25
